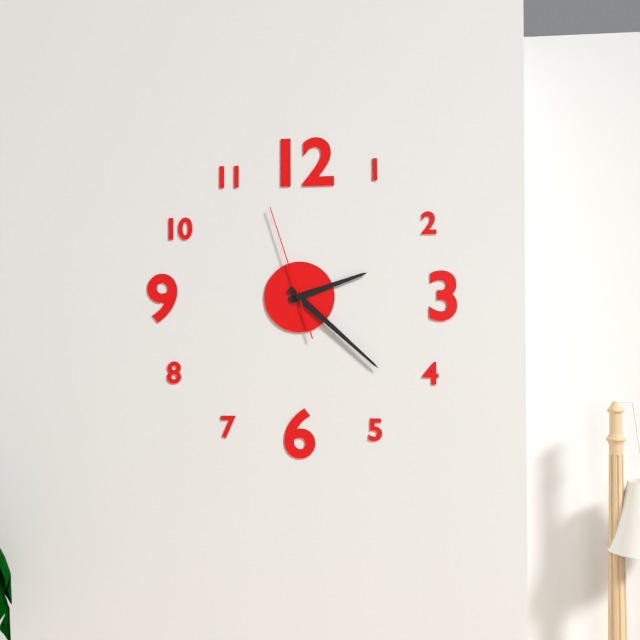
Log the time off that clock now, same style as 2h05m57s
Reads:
2h22m57s
